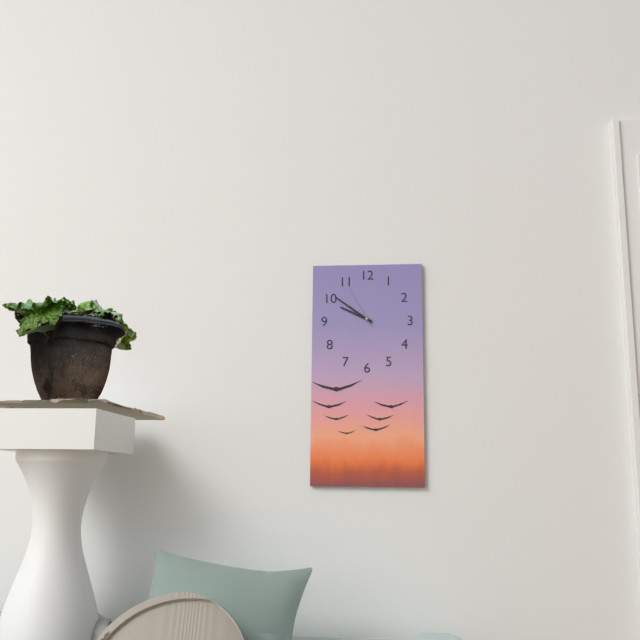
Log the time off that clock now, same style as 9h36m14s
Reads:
9h51m55s
